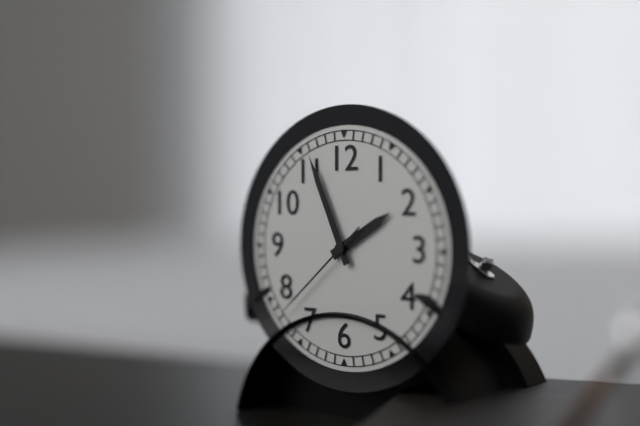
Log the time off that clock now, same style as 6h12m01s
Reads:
1h56m38s
